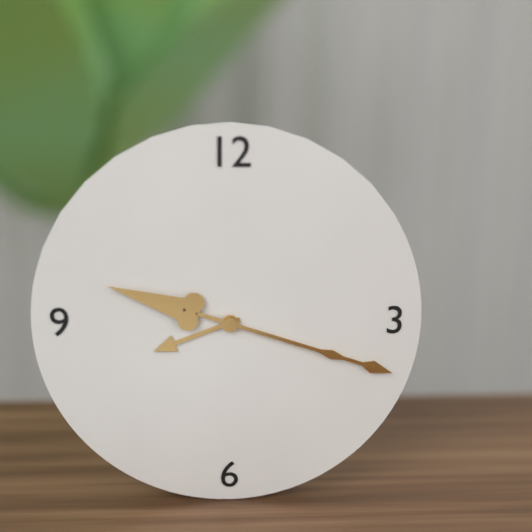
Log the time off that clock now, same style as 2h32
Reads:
8h18
